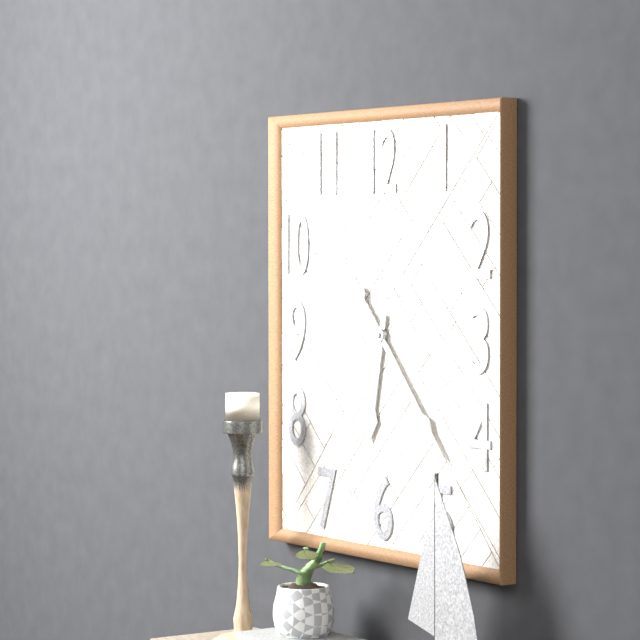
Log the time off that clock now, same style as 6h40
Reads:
6h23
